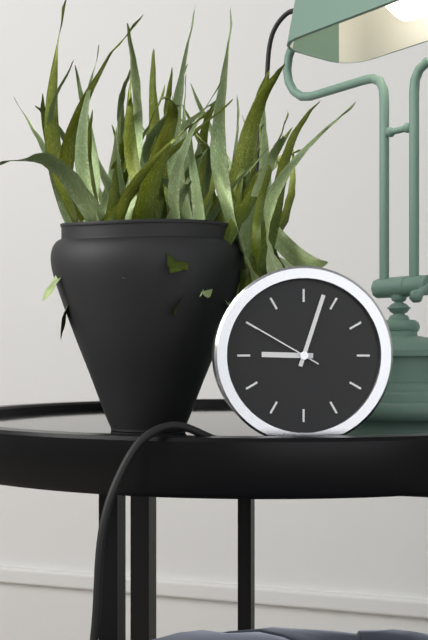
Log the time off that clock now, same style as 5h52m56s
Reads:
9h03m50s
